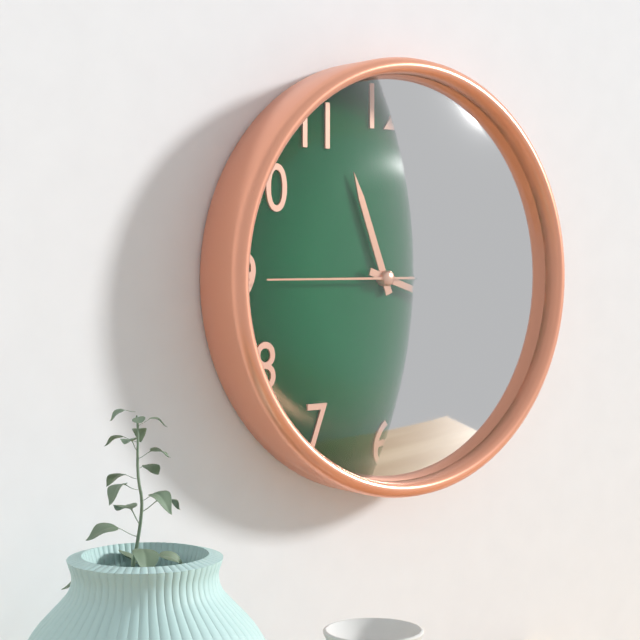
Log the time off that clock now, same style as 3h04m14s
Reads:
11h18m45s
